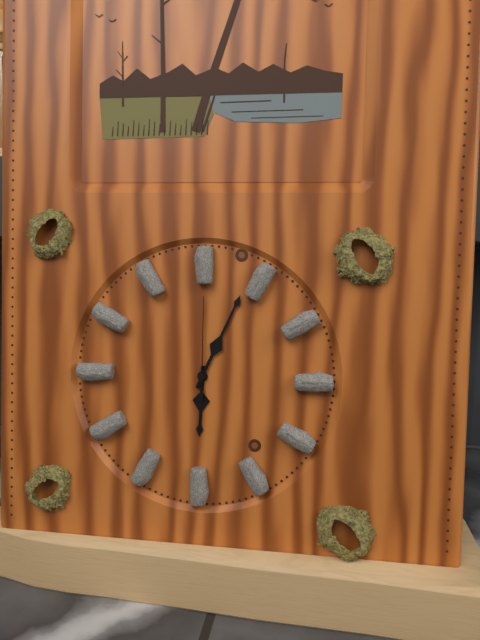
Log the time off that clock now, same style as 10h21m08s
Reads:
6h04m00s
